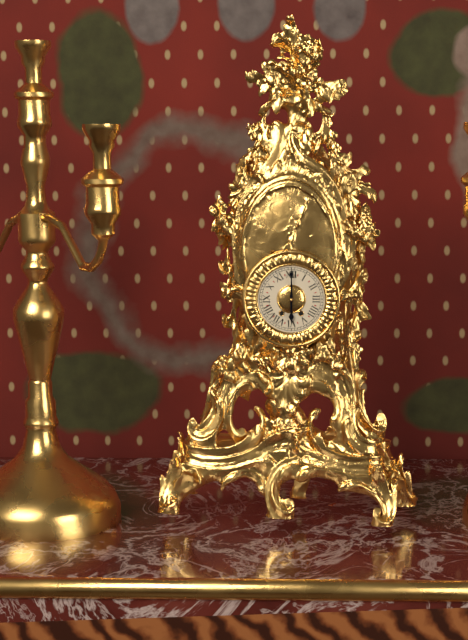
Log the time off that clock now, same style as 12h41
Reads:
6h00
